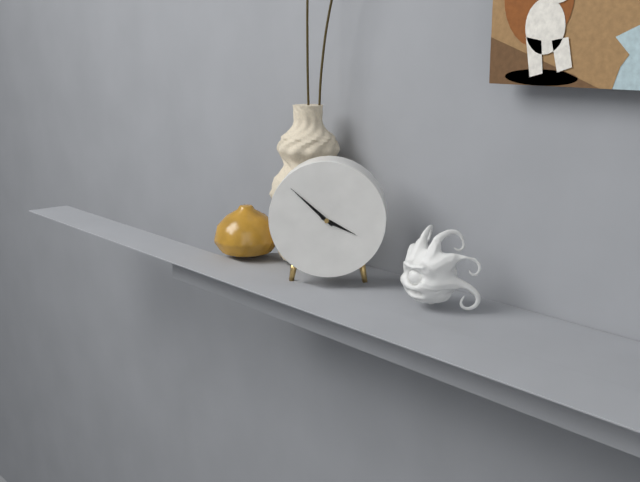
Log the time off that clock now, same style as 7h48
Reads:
3h52
